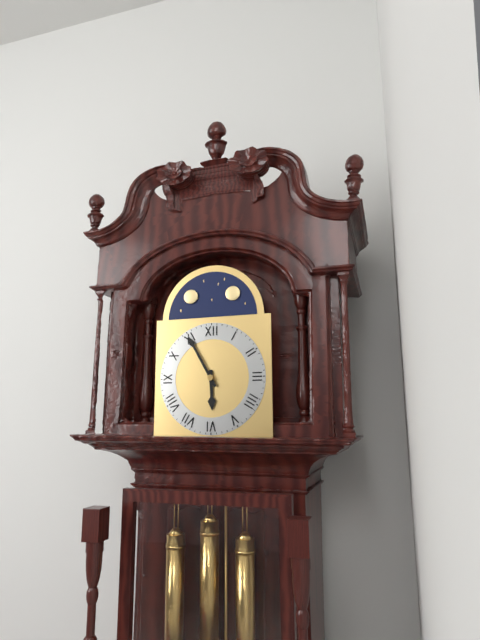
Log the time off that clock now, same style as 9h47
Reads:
5h55
